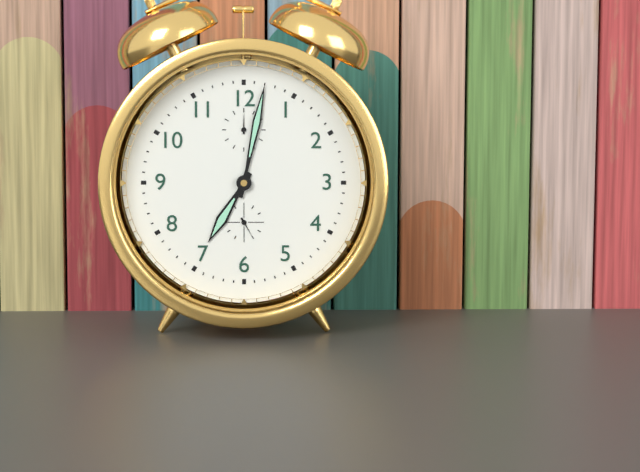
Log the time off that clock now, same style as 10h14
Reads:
7h02
